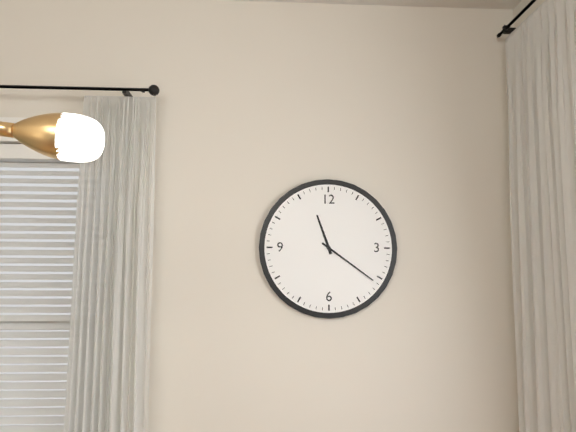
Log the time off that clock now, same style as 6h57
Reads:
11h21
